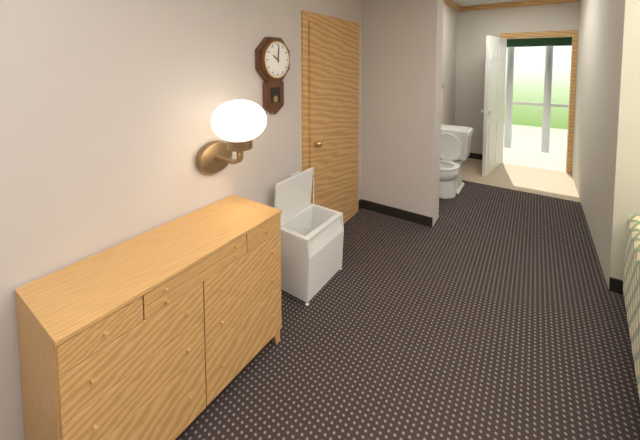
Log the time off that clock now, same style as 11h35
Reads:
10h01
